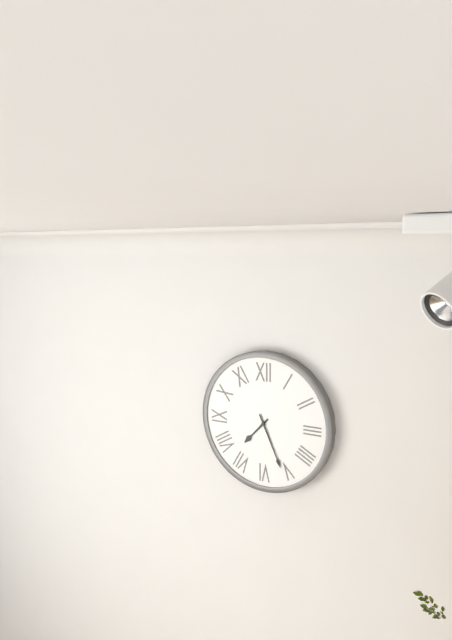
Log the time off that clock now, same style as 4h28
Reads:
7h26
